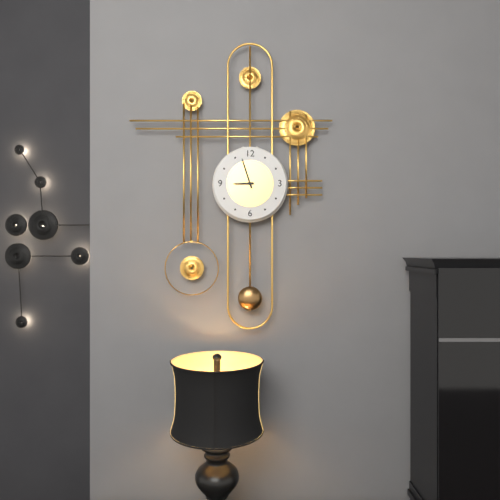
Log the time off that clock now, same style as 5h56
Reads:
8h57
